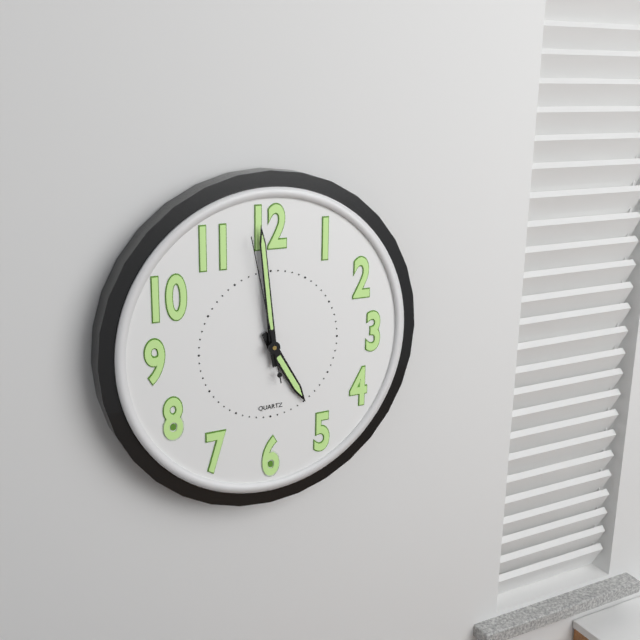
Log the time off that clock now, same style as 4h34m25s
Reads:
4h59m58s
